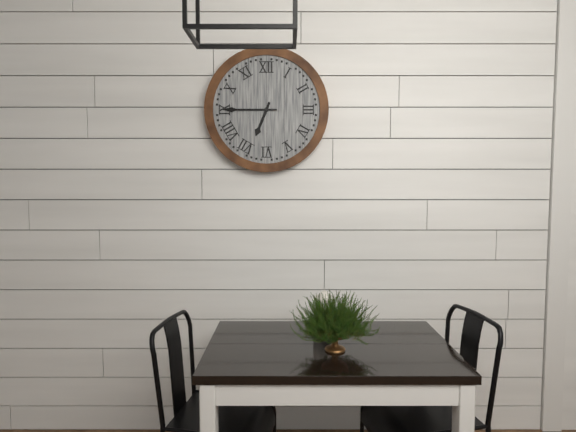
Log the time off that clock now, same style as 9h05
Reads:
6h45
